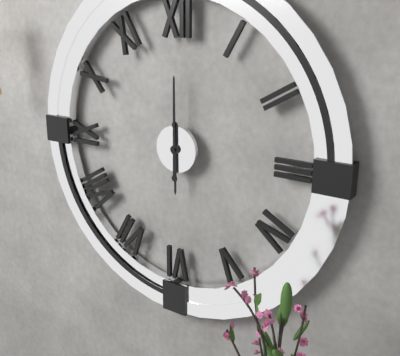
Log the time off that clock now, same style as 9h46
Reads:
6h00
